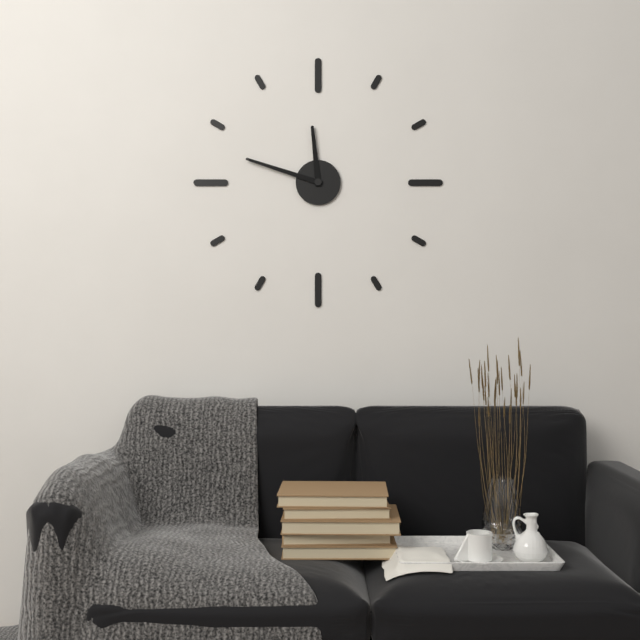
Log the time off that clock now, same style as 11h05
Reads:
11h48
